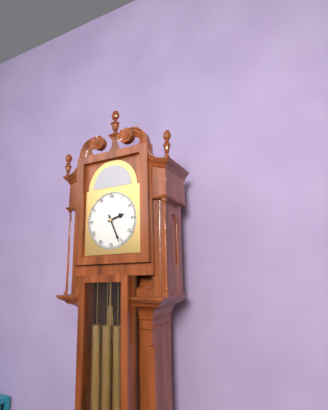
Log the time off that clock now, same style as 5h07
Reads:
2h26
